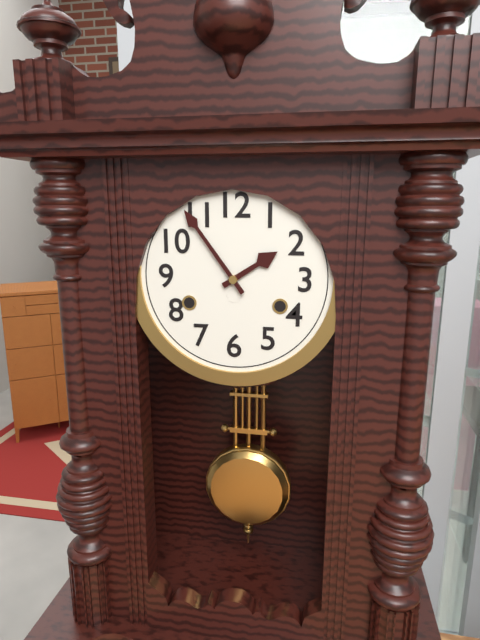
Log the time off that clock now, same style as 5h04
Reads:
1h54
